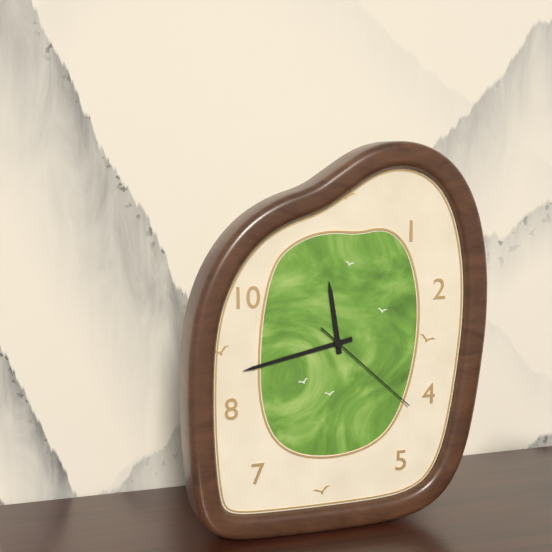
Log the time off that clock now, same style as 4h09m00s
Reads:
11h43m22s
